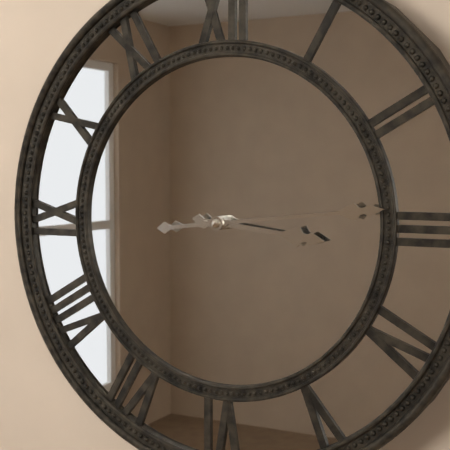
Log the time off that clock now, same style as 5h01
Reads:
3h14
